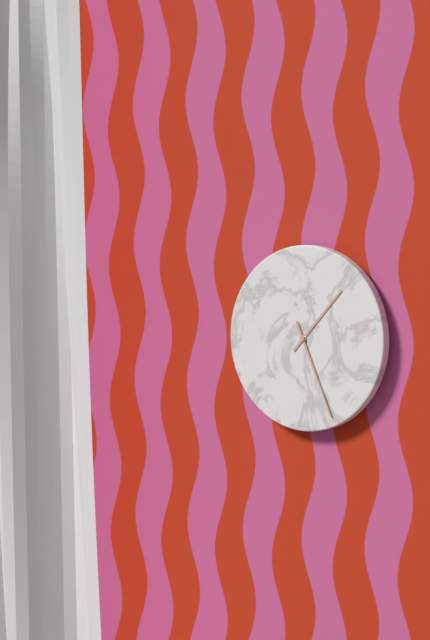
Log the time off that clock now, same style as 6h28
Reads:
1h26
